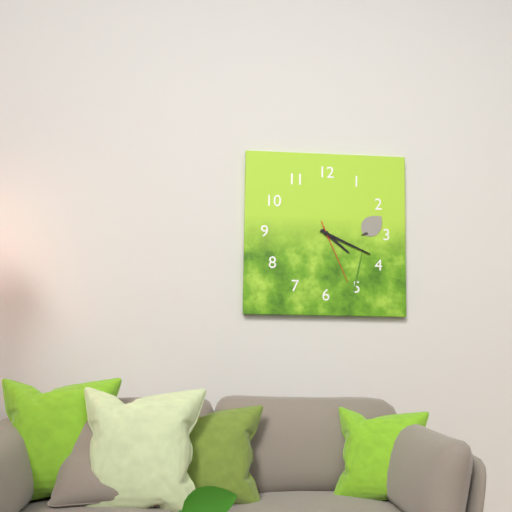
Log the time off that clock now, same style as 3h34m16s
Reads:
4h19m26s
